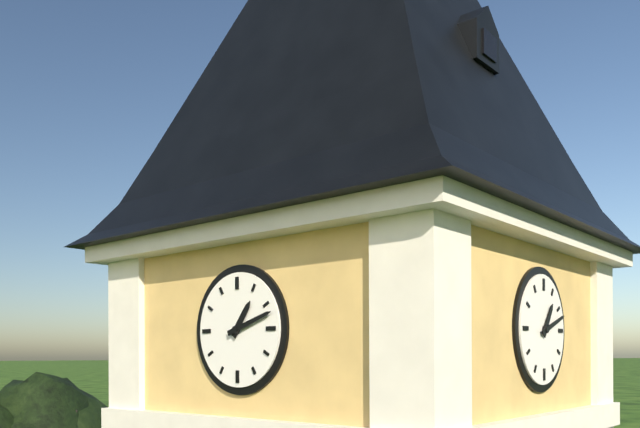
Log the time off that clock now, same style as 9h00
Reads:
1h12
